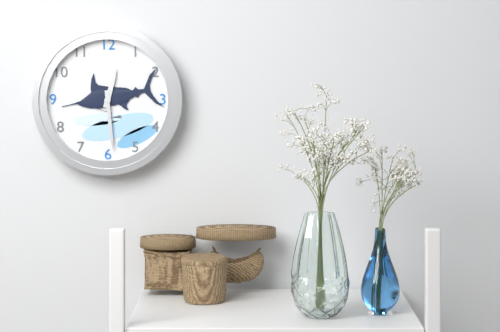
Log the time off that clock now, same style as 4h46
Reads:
12h29
